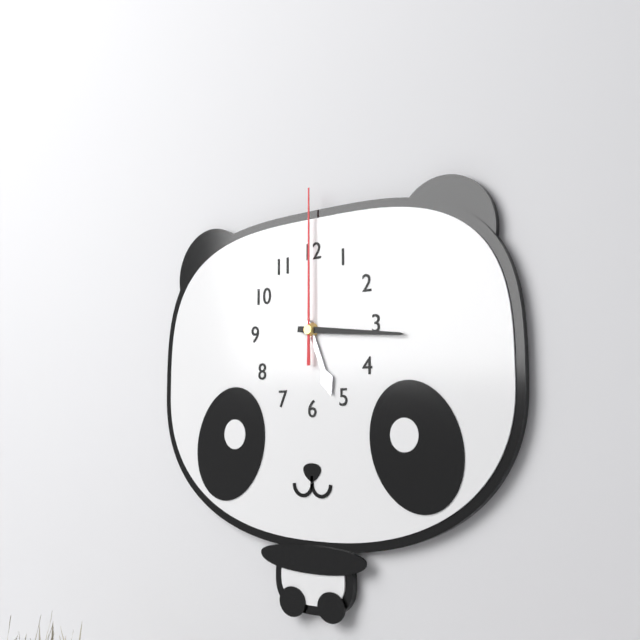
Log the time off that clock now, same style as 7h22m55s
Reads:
5h16m00s
